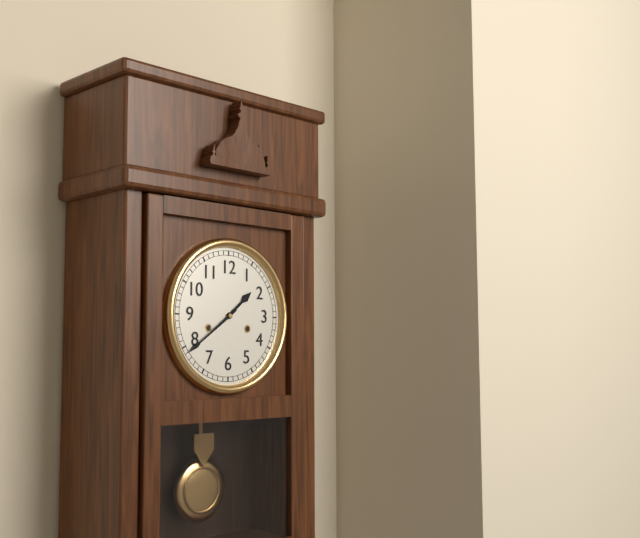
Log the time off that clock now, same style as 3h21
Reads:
1h39
